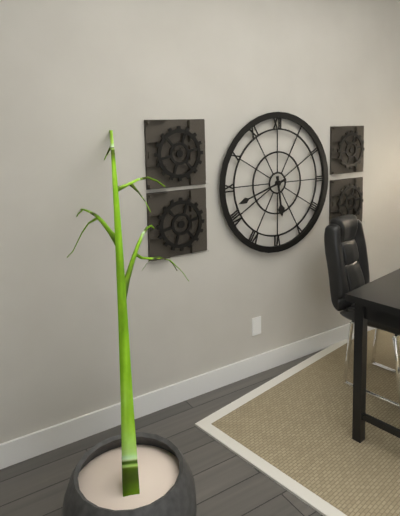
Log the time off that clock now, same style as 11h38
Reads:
5h42
